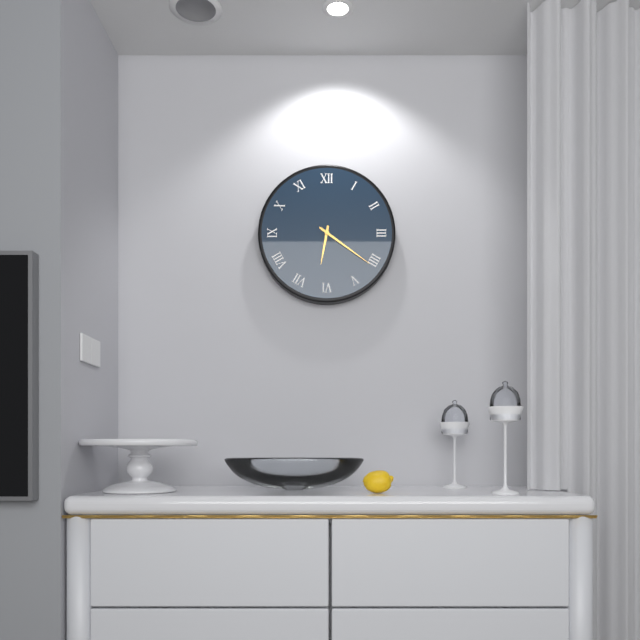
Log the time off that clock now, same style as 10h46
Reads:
6h21
